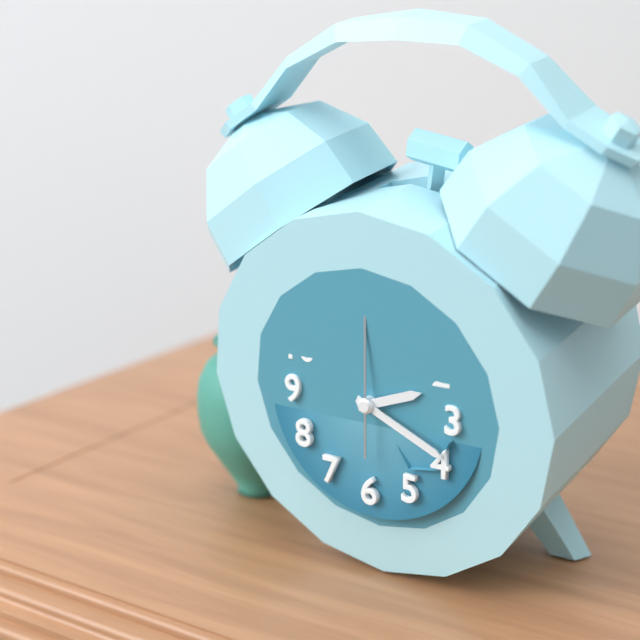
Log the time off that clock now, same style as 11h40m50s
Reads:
2h19m00s
